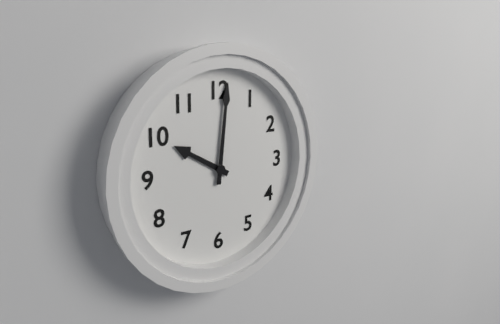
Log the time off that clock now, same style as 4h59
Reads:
10h01
